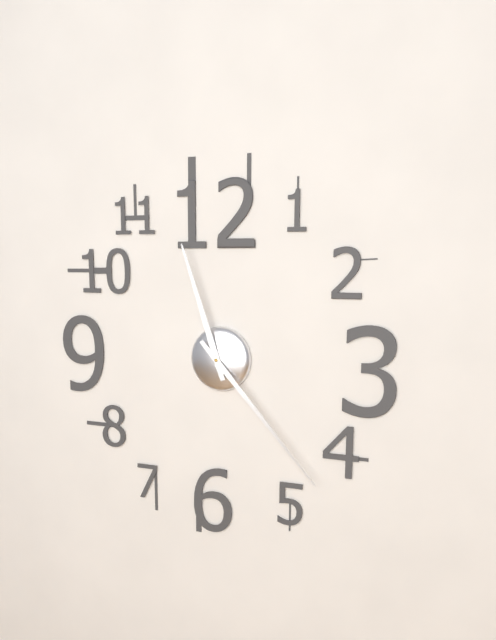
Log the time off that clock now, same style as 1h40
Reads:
11h23
